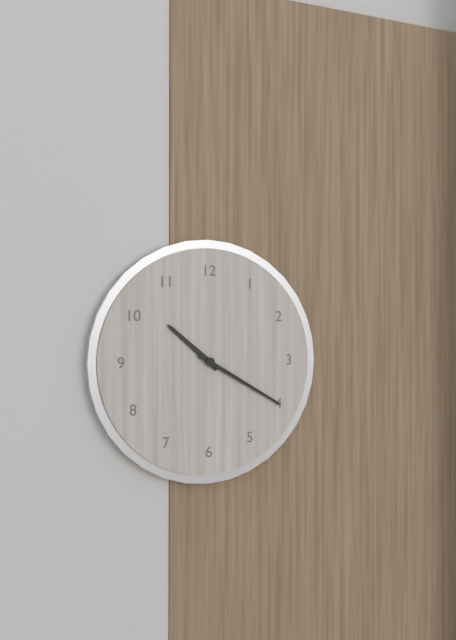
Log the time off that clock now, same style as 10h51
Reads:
10h20
